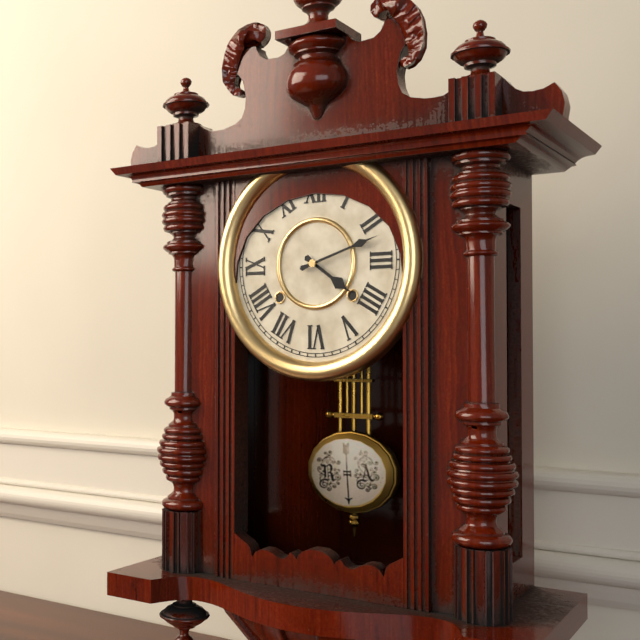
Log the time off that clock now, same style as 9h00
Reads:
4h12
